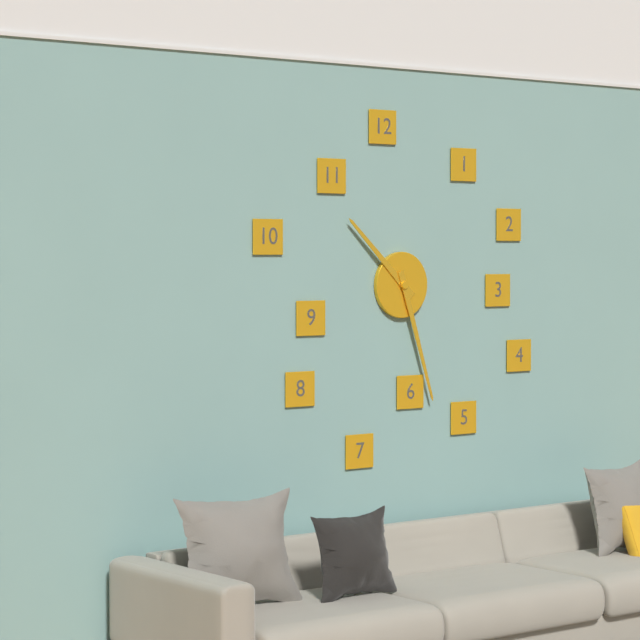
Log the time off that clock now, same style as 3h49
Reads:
10h27
